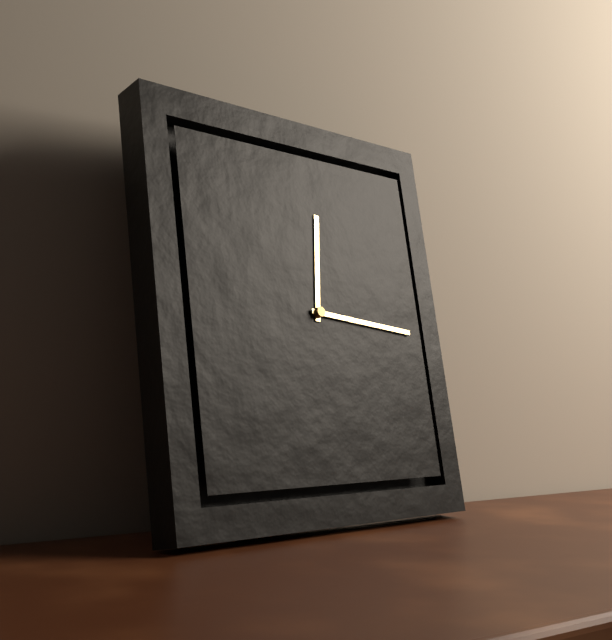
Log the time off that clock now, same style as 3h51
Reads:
12h16
